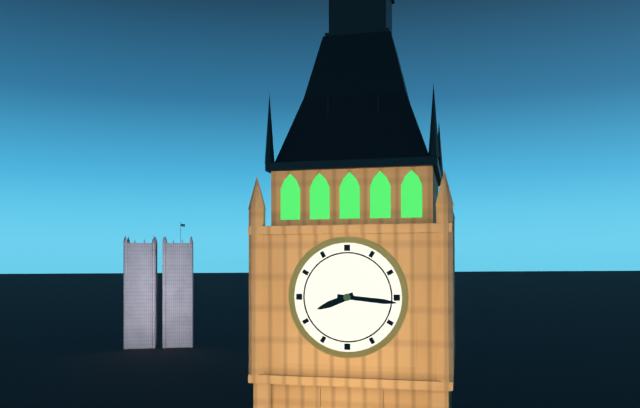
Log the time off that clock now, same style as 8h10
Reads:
8h16
